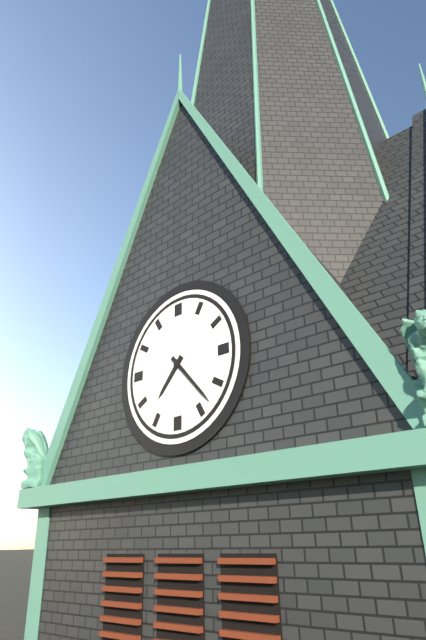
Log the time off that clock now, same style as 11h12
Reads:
7h23
